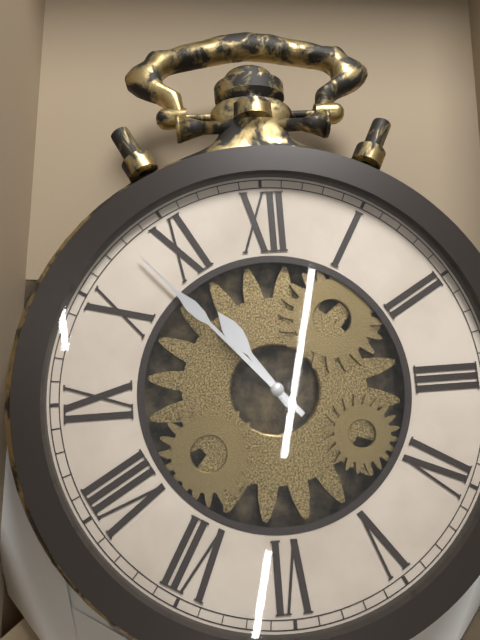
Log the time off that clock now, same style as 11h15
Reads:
10h53
